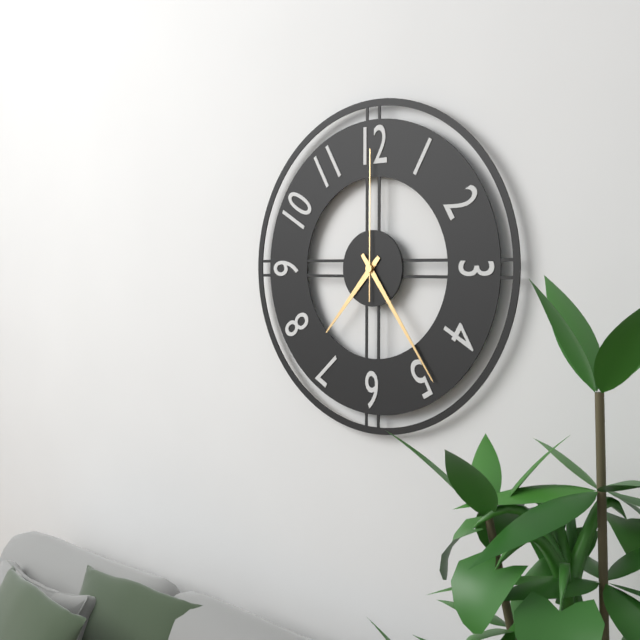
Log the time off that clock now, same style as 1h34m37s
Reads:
7h24m00s
